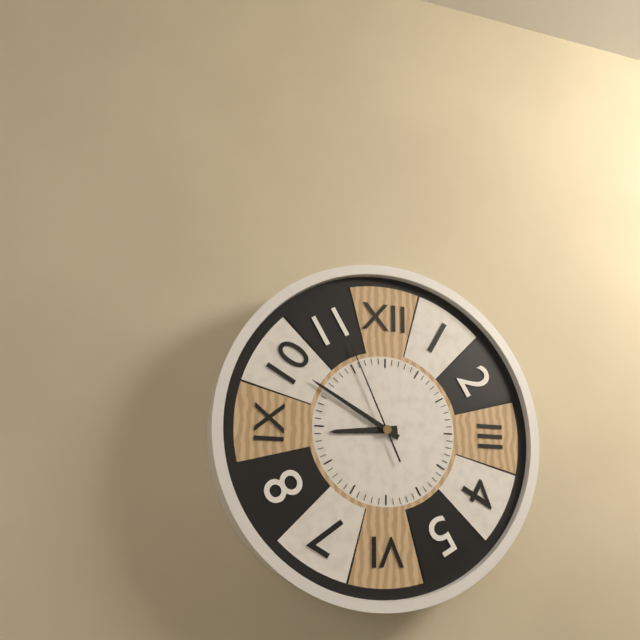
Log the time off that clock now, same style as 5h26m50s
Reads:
8h50m56s
